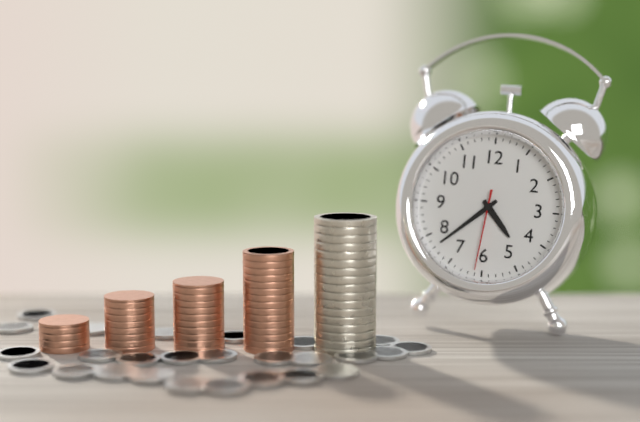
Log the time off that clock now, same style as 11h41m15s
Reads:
4h38m31s
